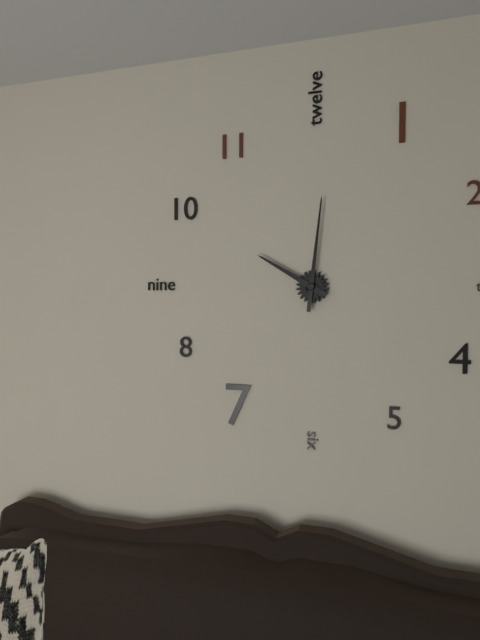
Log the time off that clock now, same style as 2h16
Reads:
10h01
